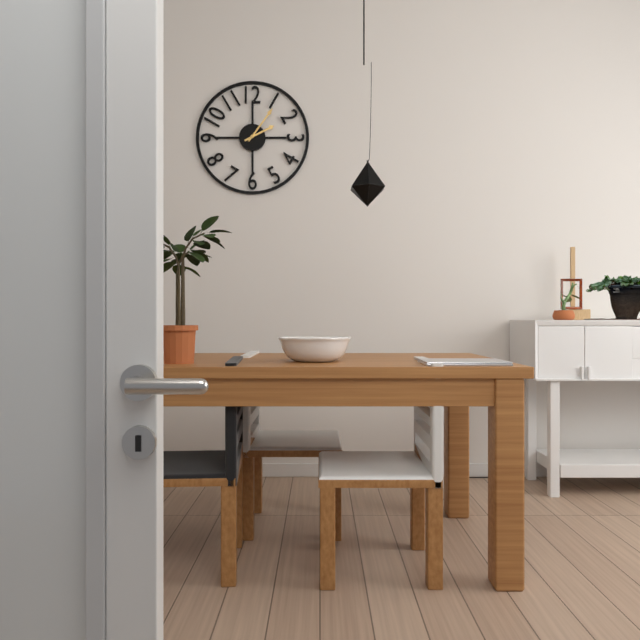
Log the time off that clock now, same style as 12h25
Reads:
2h06
